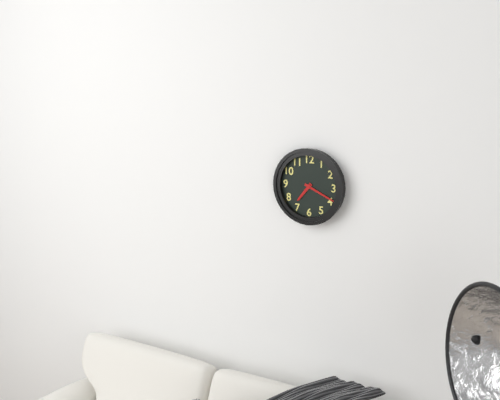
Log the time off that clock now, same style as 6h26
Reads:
7h19
